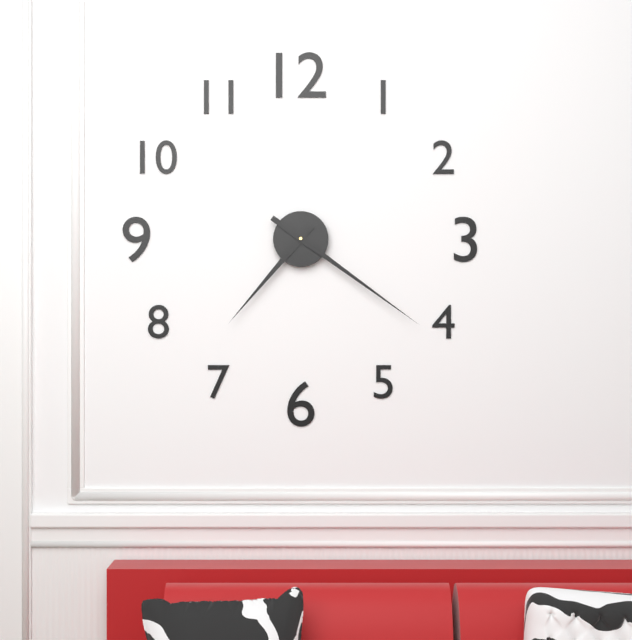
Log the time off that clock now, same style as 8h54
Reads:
7h21
